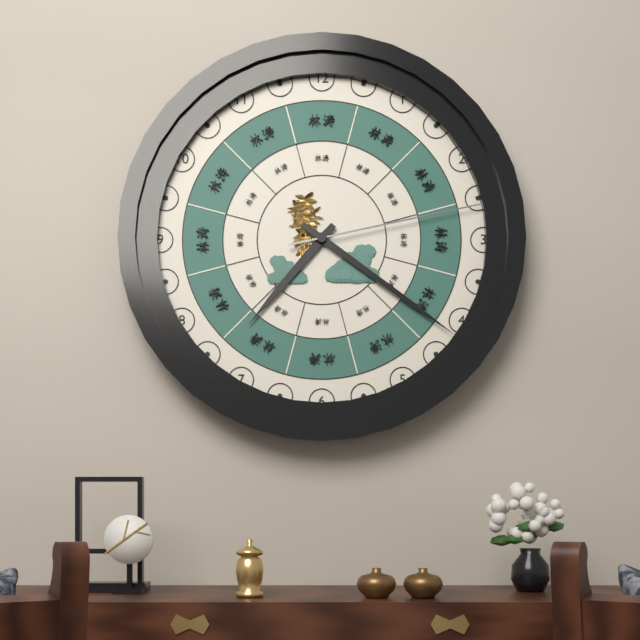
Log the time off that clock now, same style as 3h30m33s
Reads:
7h21m13s
